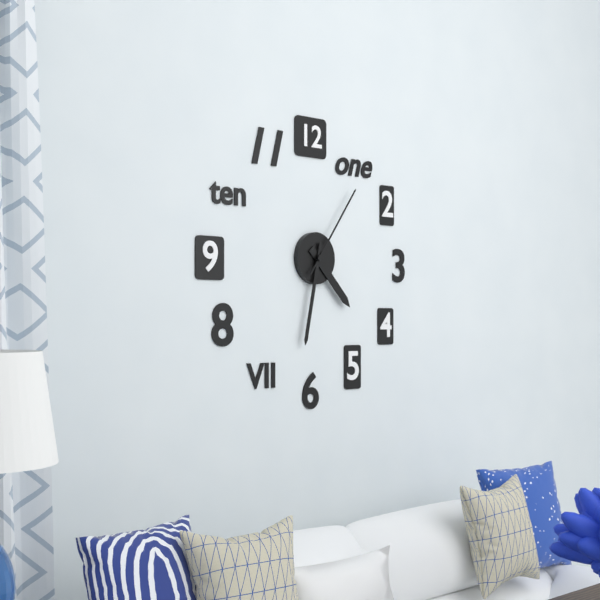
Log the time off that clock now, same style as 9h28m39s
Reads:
4h32m06s
